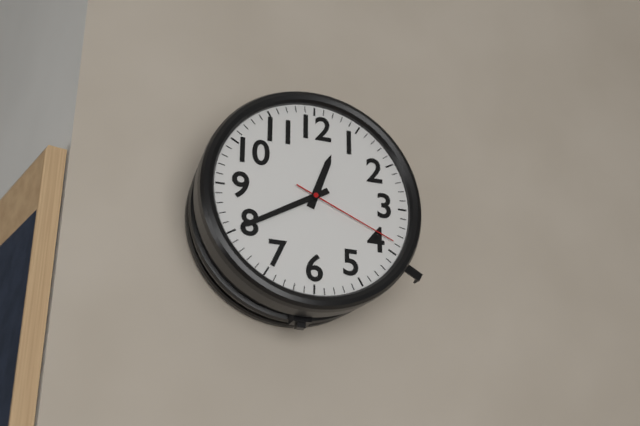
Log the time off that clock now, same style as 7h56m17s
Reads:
12h40m19s
